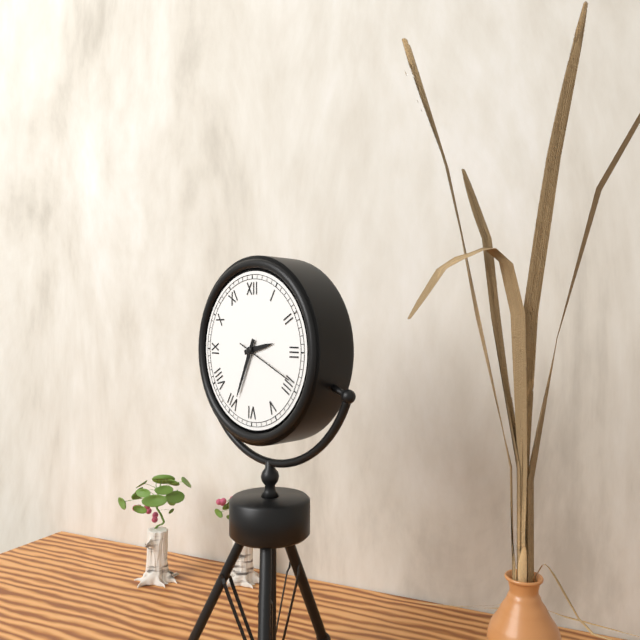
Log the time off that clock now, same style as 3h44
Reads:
2h34
